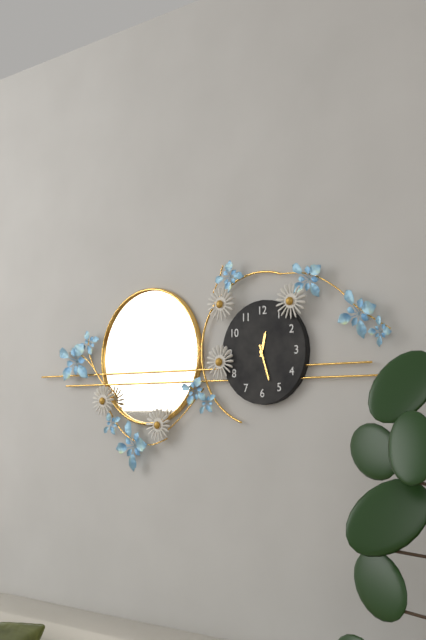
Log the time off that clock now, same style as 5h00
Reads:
12h27
